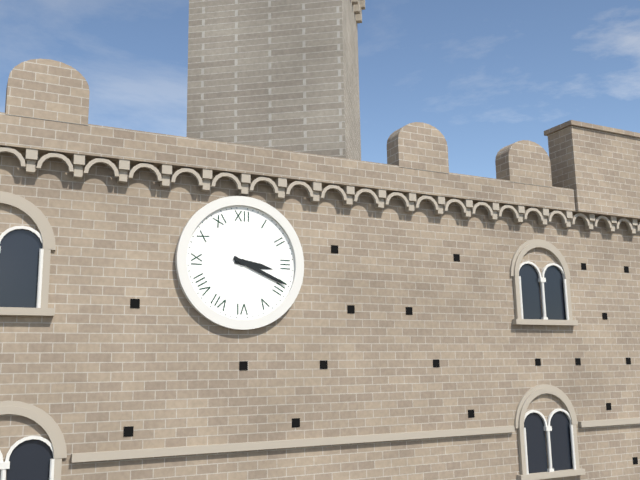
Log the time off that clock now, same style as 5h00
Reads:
3h19
